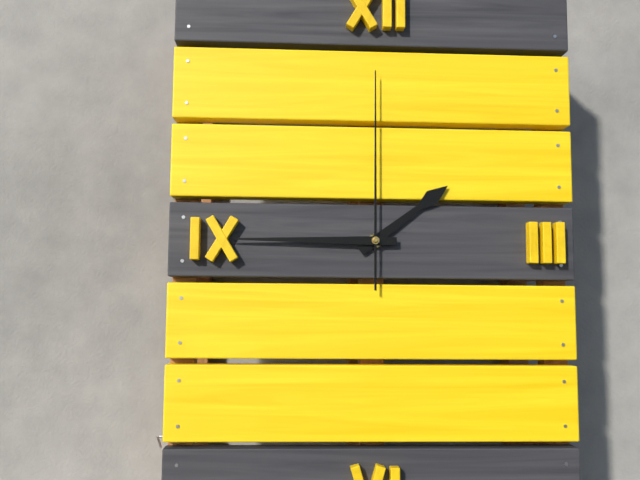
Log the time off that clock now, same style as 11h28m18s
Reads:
1h45m00s
